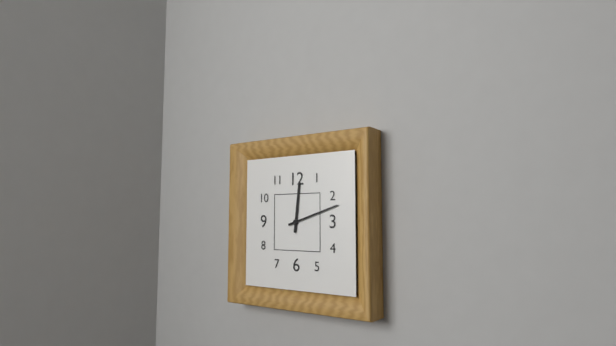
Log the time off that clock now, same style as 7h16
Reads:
12h12
